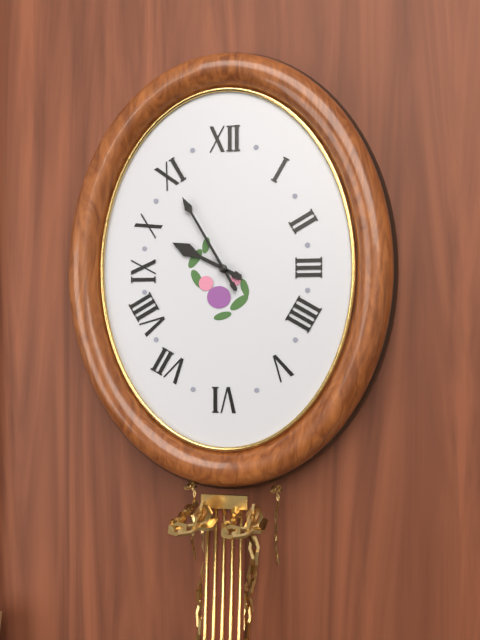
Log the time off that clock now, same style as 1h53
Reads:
9h55
